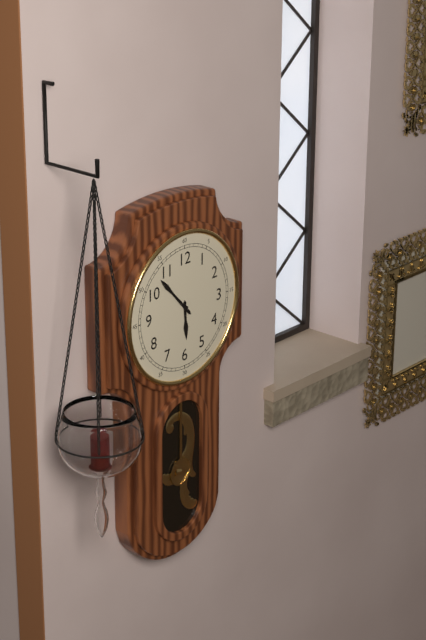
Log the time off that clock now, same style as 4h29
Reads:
5h53
